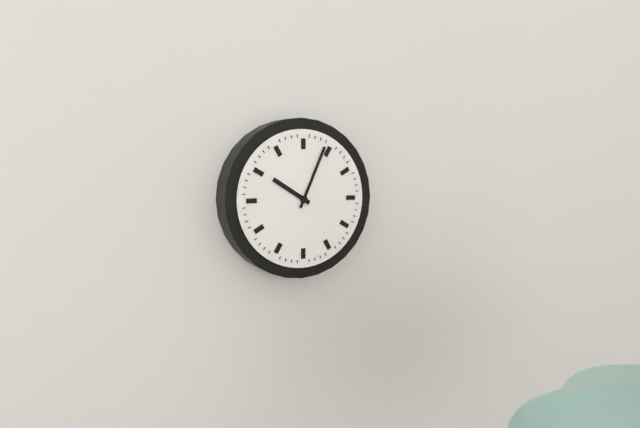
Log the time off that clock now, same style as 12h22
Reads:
10h04
